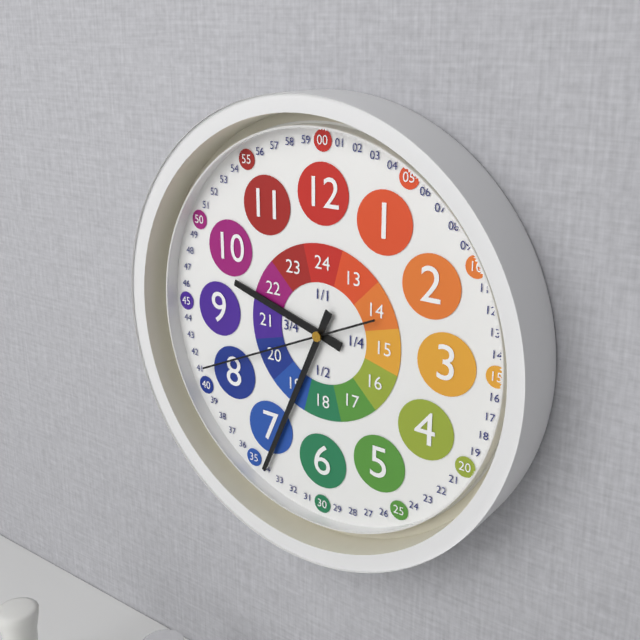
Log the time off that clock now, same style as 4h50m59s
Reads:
9h34m41s
